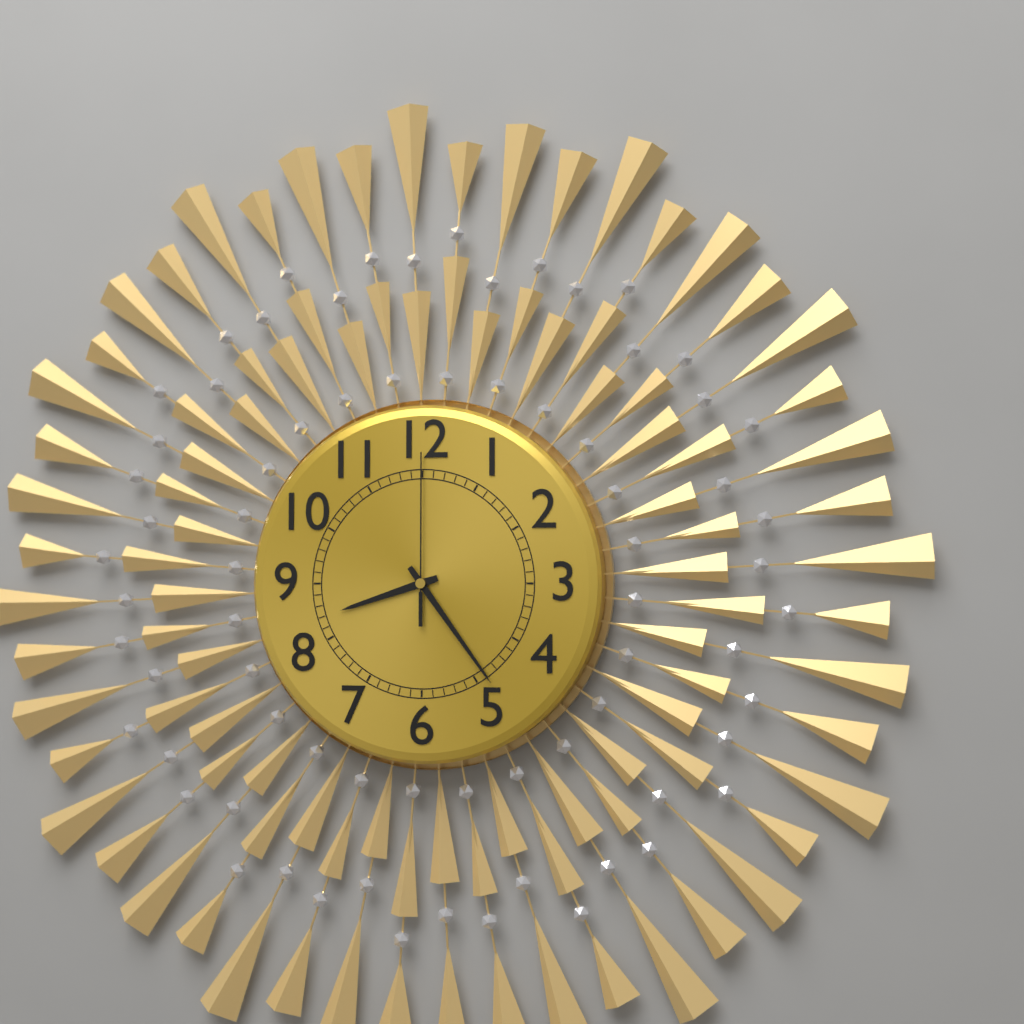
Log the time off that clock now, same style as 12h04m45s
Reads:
8h24m00s
